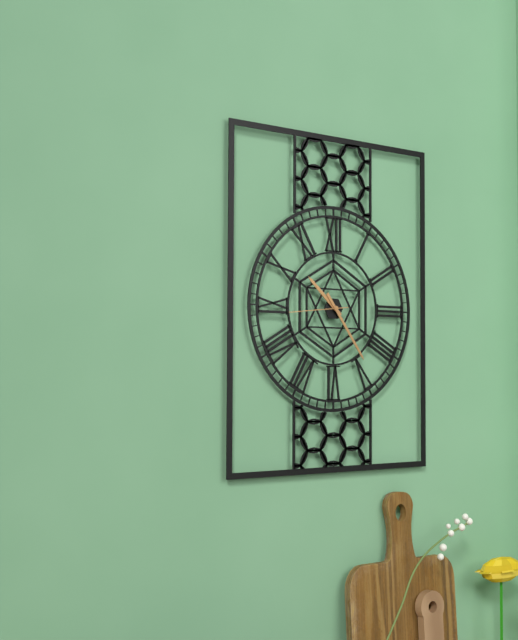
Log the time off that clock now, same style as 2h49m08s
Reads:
10h24m44s
